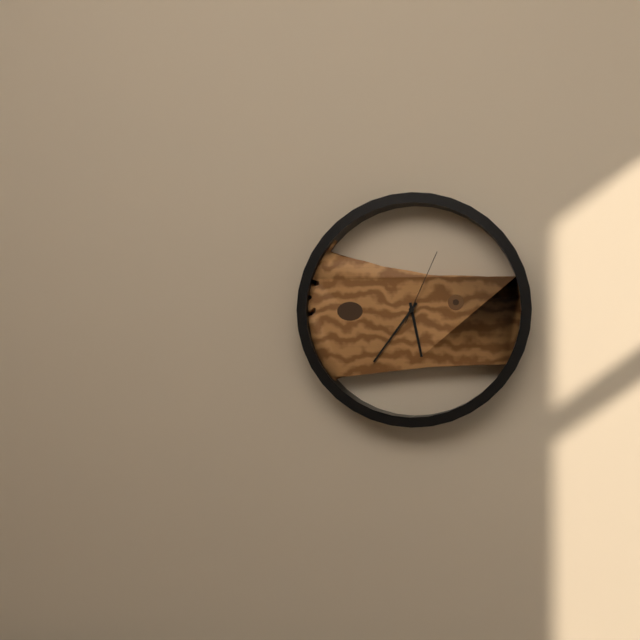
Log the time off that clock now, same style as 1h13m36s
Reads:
5h36m04s
